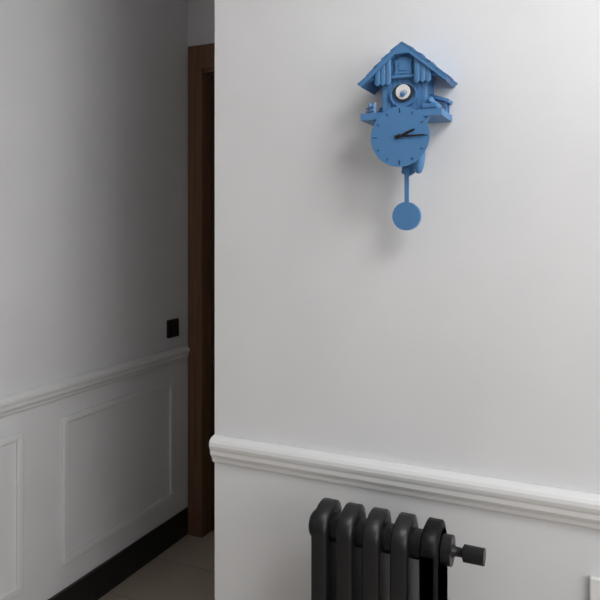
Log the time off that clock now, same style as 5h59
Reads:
2h15
